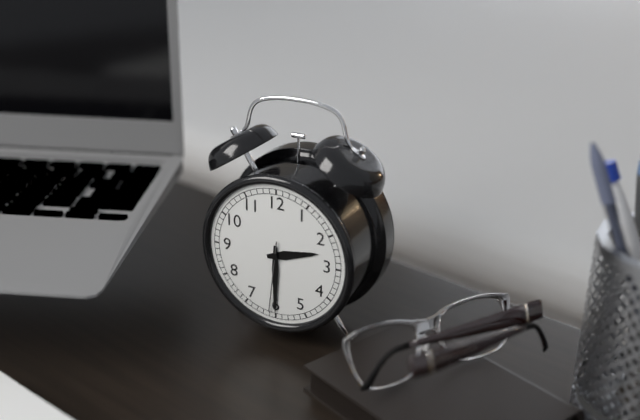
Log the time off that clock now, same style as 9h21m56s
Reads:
2h30m31s
